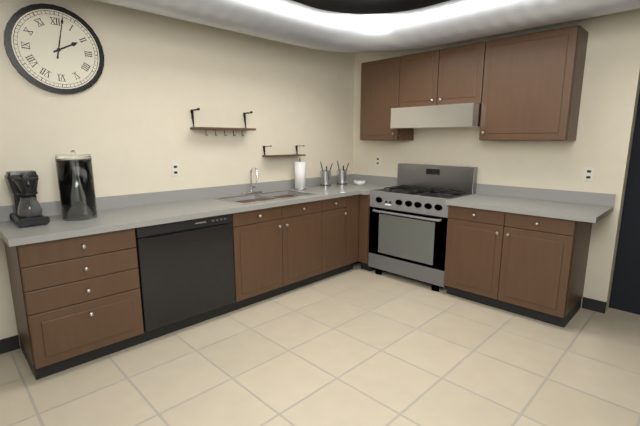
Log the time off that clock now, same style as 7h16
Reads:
2h02
